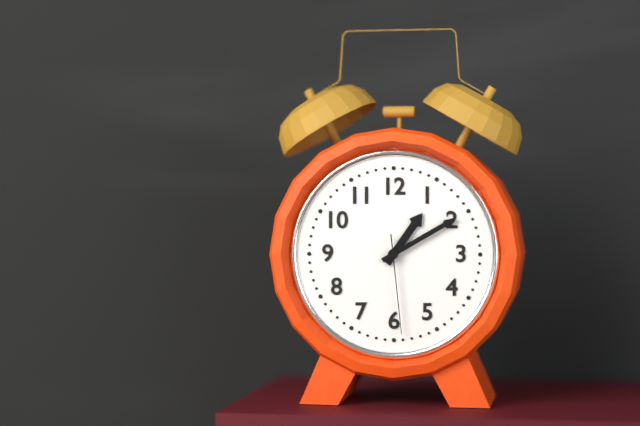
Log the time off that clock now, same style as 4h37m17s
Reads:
1h10m29s
